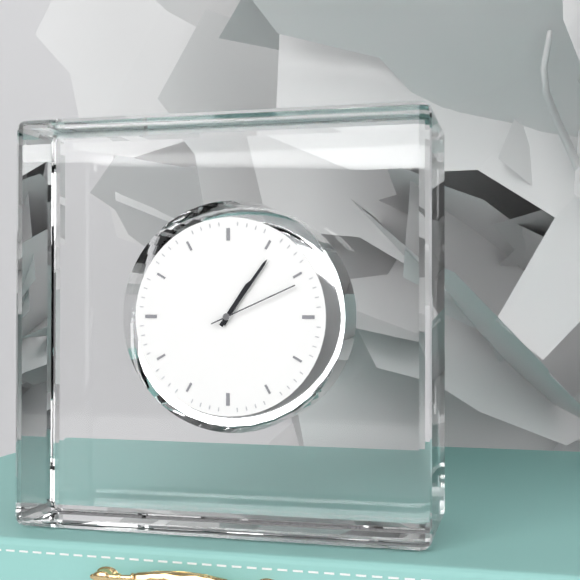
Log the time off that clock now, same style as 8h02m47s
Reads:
1h06m11s
